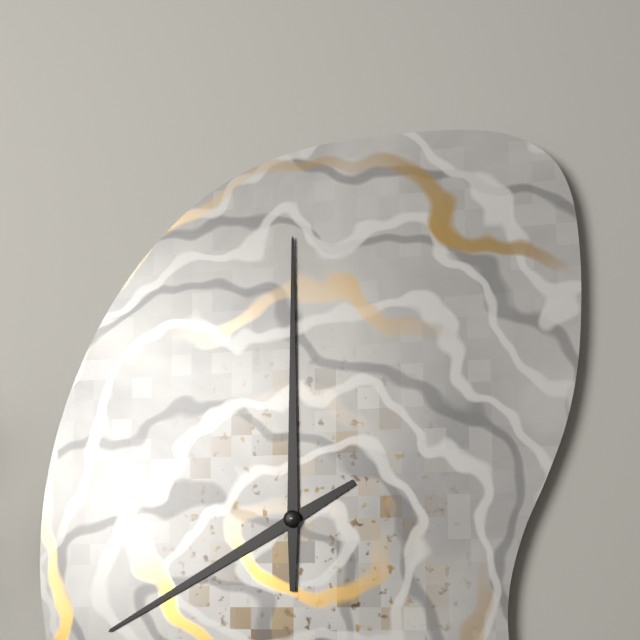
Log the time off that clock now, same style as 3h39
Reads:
8h00
